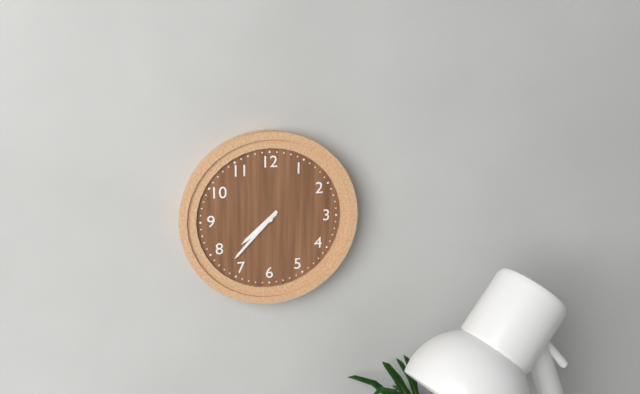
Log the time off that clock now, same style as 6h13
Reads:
7h37
